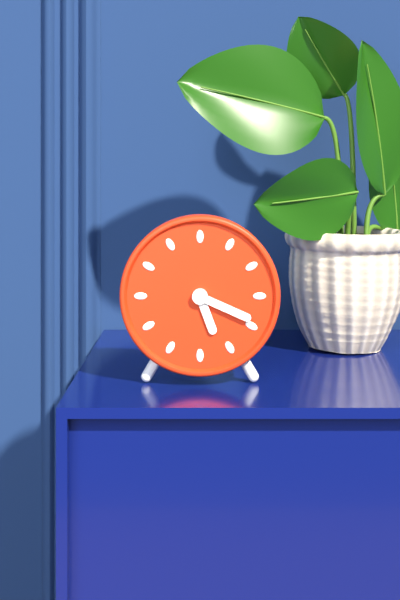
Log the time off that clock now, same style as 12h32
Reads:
5h19
